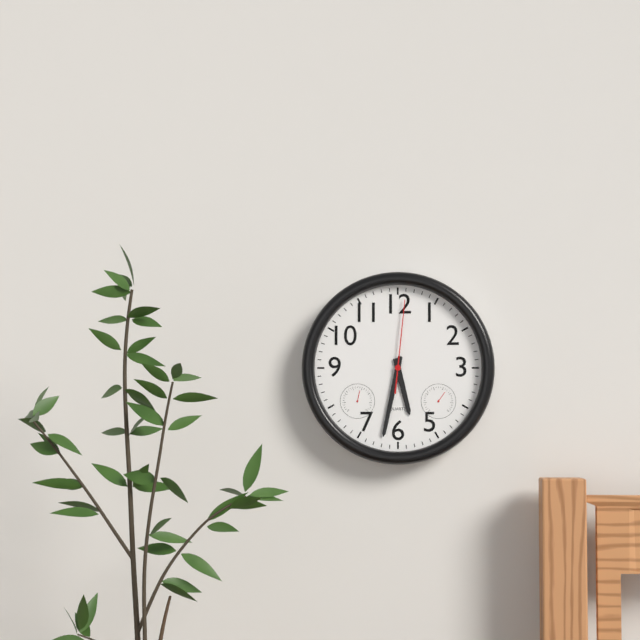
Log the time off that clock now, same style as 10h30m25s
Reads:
5h32m01s
